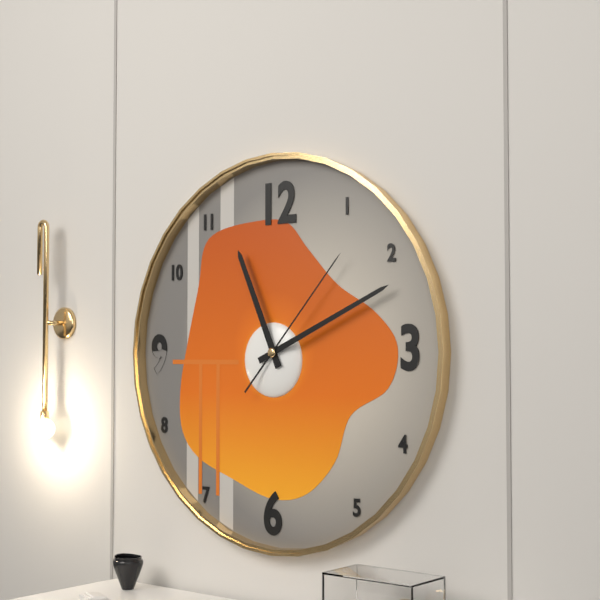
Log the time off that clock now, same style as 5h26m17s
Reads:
11h11m07s
